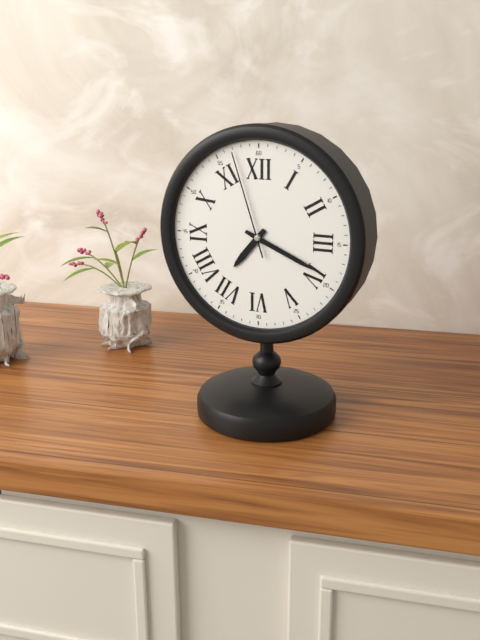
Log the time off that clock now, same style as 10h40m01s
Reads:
7h19m57s
